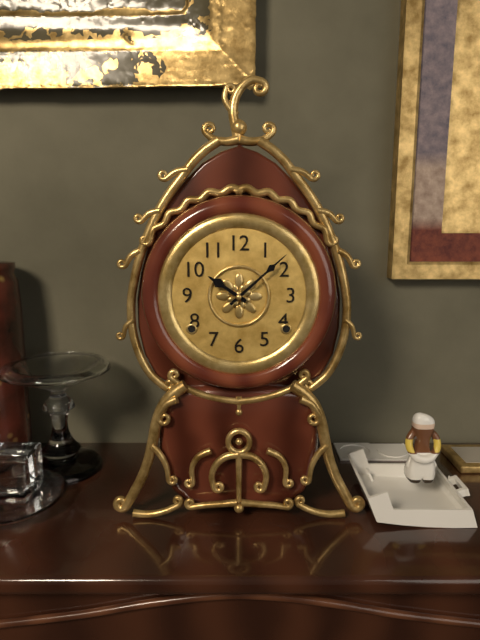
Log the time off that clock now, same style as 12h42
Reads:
10h08
